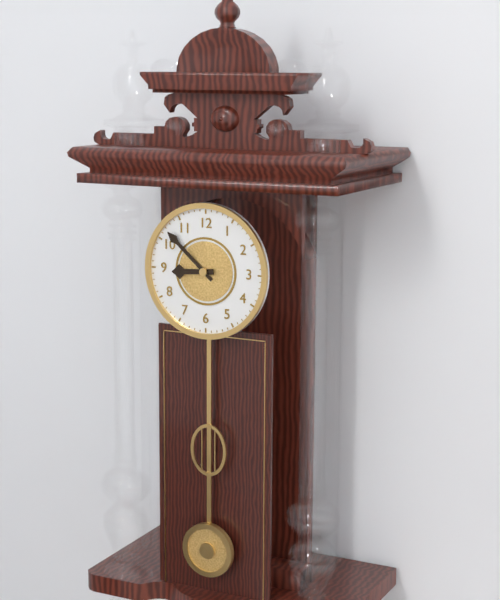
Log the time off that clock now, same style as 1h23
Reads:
8h52
